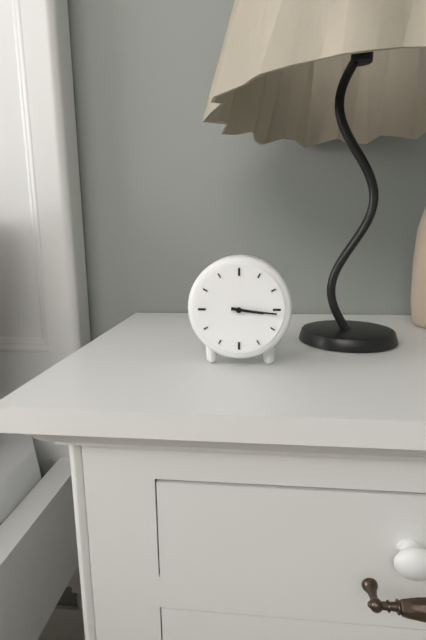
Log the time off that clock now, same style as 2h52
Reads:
3h16
